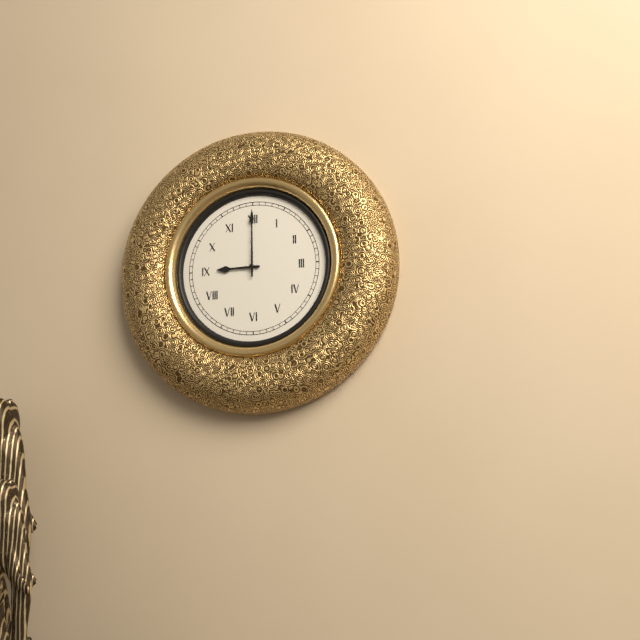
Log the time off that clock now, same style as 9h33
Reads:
9h00
